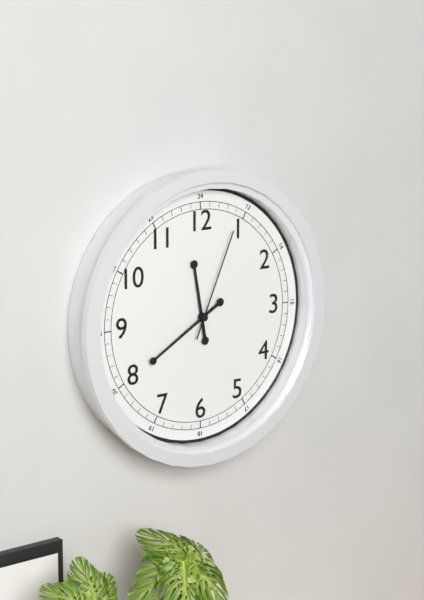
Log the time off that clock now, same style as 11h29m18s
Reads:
11h40m04s
